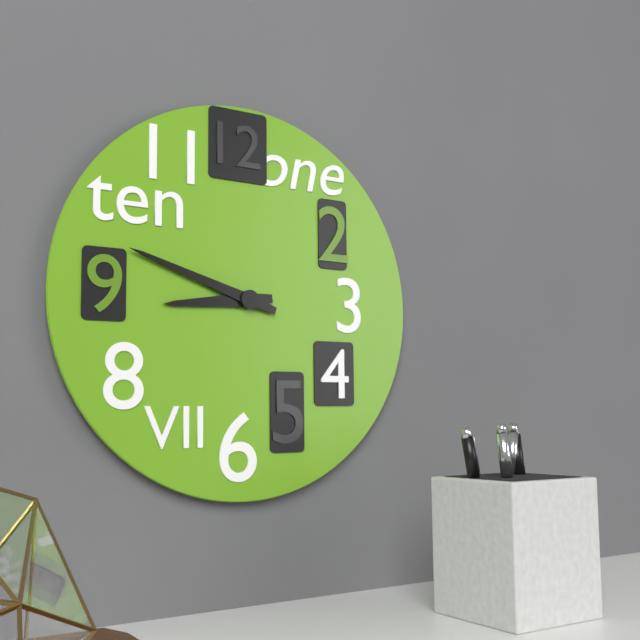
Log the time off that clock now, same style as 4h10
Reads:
8h48
